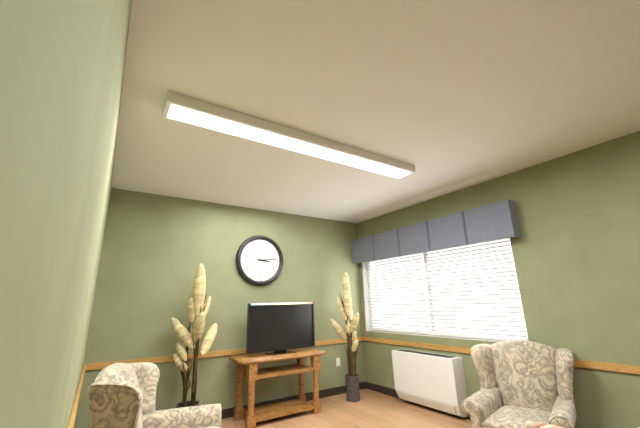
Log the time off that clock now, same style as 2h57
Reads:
3h14
